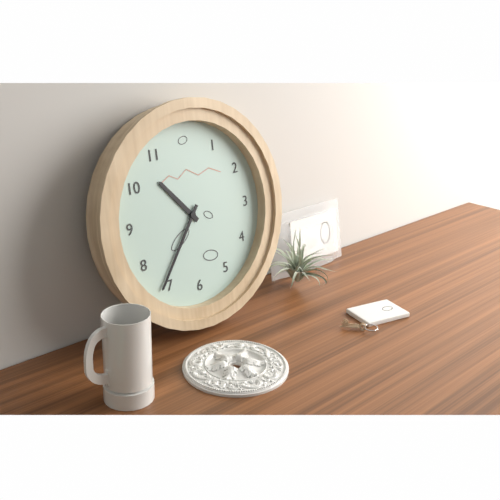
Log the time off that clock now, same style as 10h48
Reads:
10h36
